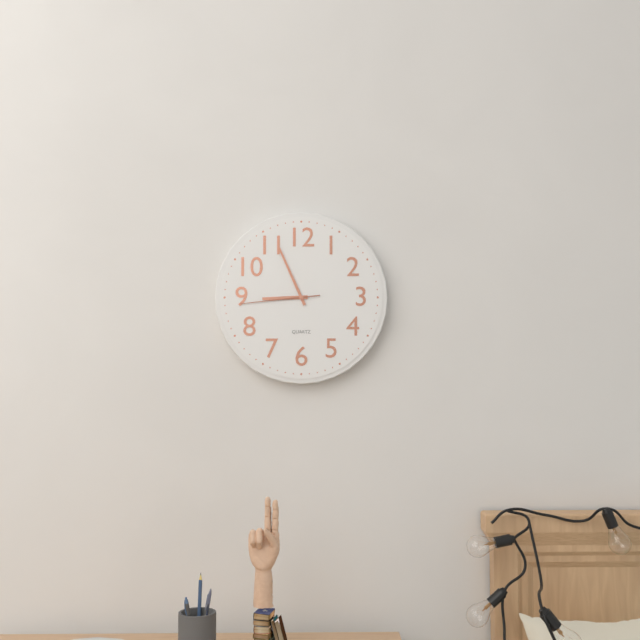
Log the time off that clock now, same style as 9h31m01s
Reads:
8h56m44s
